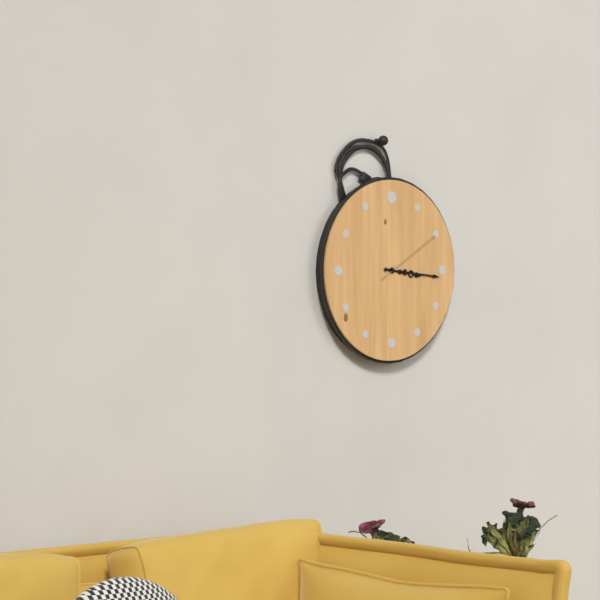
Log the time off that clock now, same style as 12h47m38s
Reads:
3h16m10s
